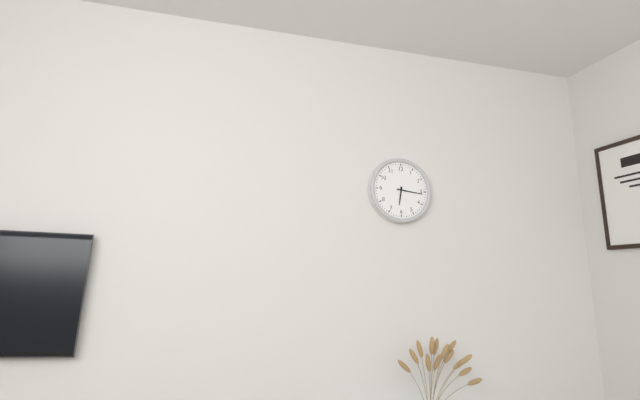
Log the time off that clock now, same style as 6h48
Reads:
6h16
